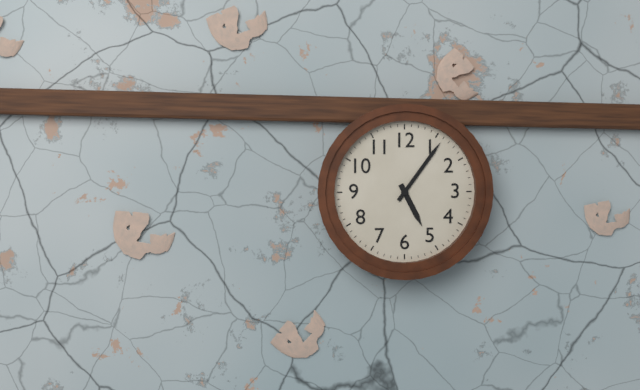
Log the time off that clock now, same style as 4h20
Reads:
5h06
